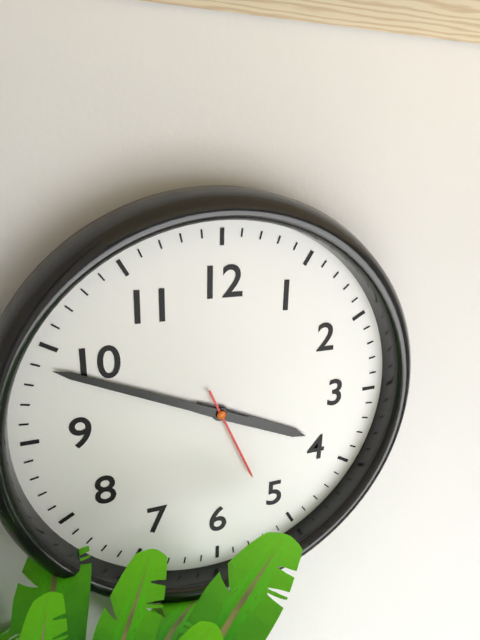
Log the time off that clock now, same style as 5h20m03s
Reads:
3h49m26s
